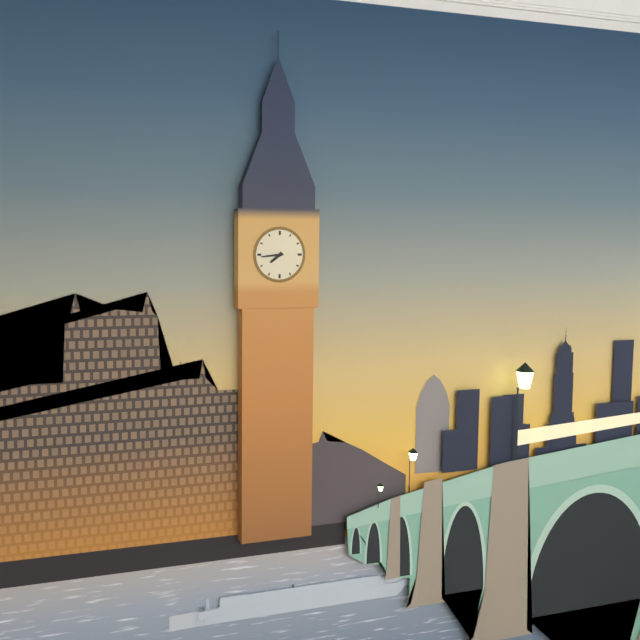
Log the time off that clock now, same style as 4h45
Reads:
7h44
